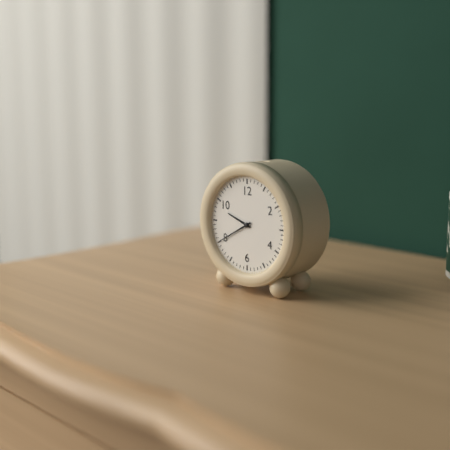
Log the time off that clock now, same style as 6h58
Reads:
9h40
